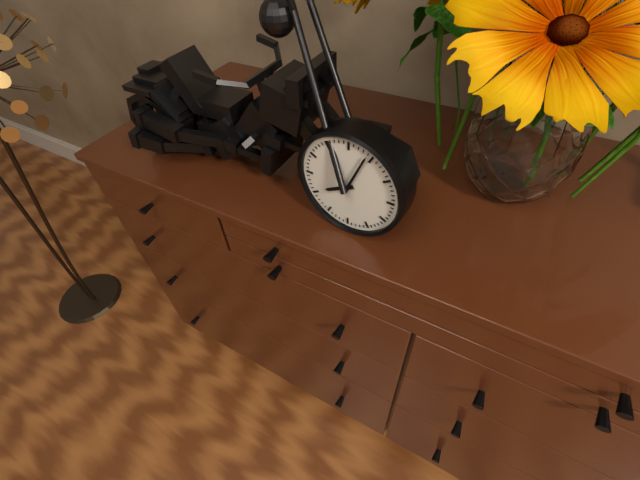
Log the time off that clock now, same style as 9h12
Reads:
8h04
